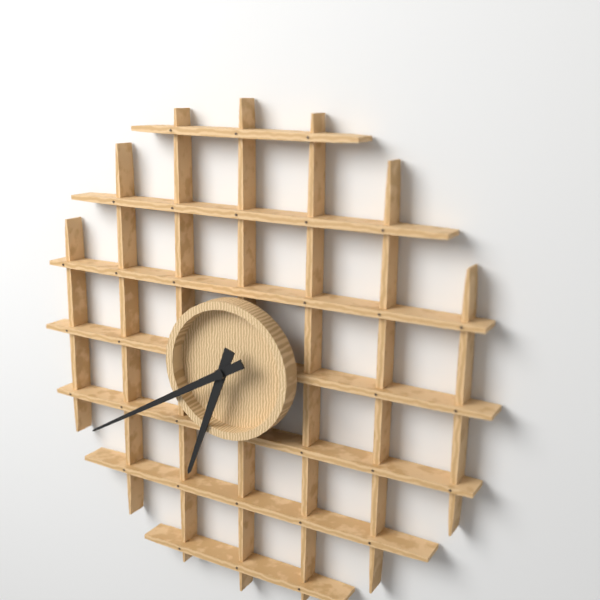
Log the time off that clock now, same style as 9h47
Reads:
6h40
